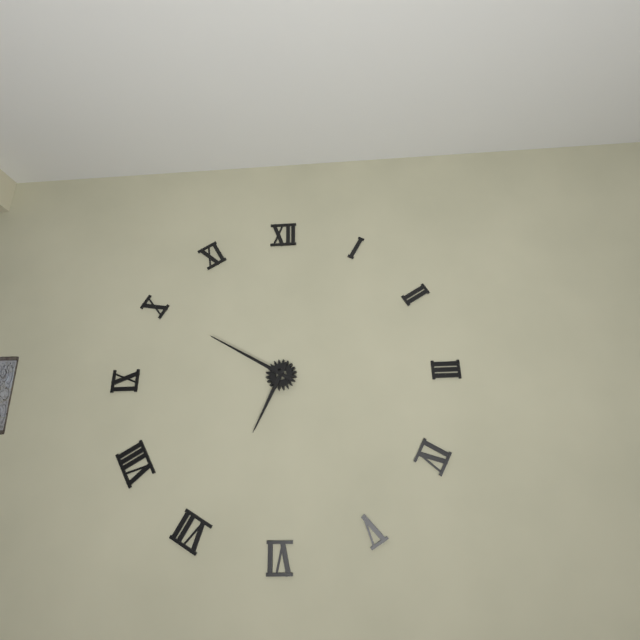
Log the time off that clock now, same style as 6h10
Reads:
6h50
